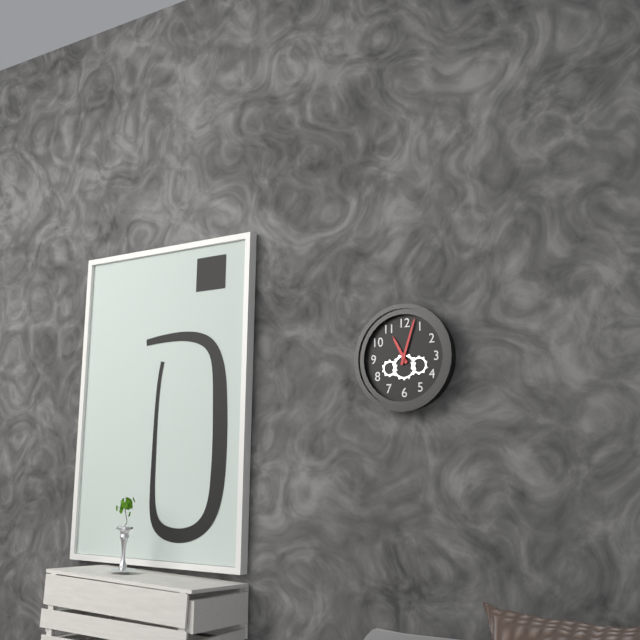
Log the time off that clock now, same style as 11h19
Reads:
11h03
